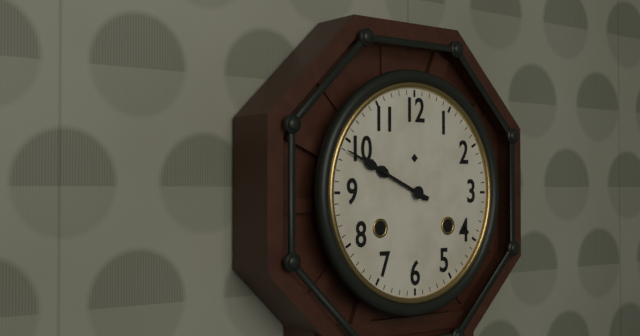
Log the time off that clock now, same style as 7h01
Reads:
9h49
